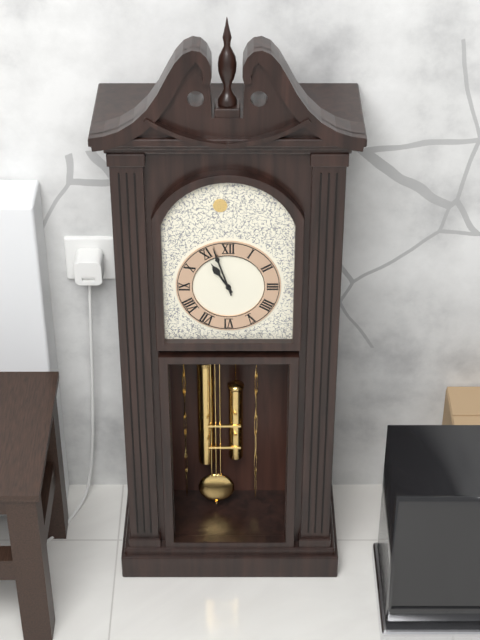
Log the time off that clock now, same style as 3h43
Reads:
10h57
